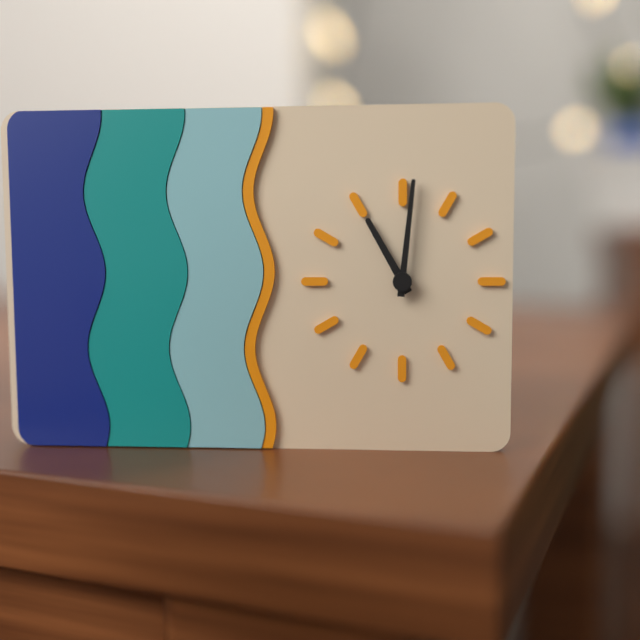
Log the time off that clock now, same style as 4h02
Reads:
11h01
